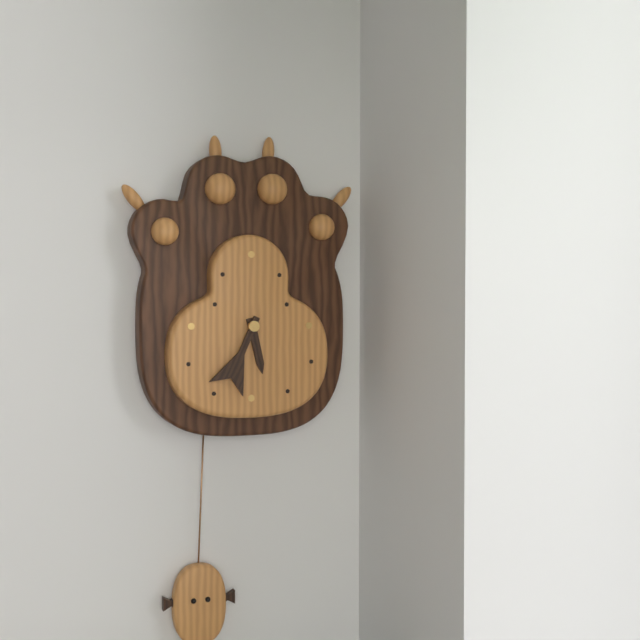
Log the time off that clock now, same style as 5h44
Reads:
5h34
